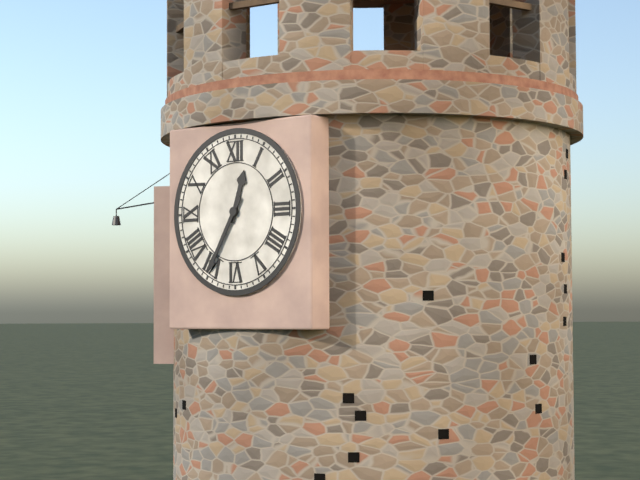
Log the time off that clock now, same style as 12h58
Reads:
12h35
